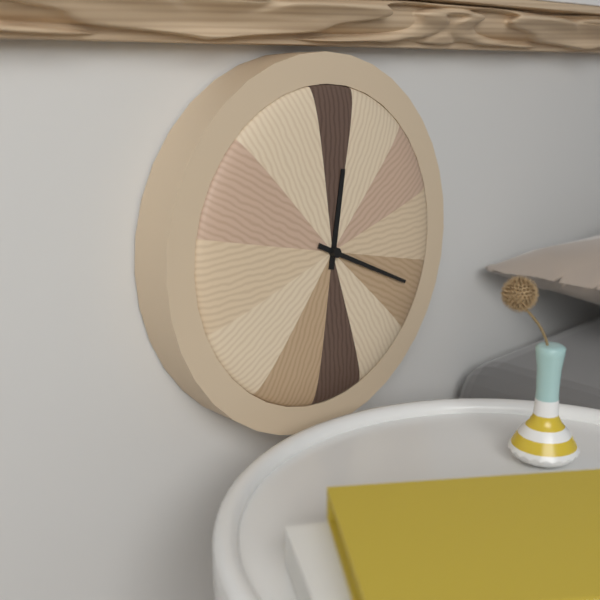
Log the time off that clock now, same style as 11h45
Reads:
12h19
